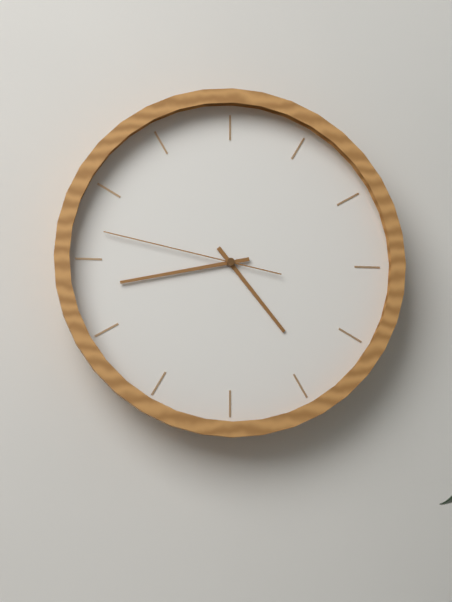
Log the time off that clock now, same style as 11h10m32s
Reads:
4h43m47s
